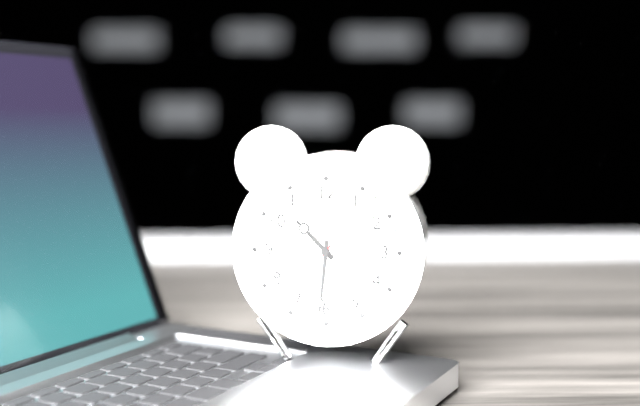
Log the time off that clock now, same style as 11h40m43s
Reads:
10h31m36s
